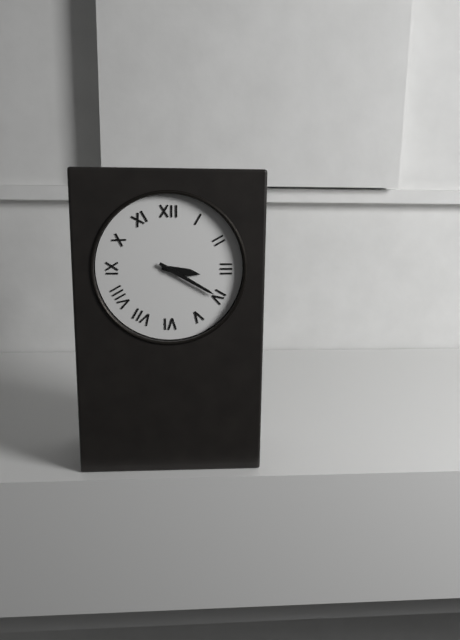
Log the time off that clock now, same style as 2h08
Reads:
3h20
